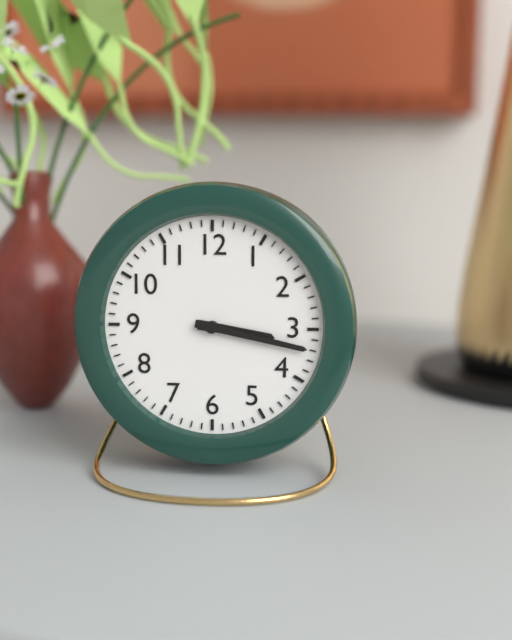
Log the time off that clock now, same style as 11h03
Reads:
3h17
